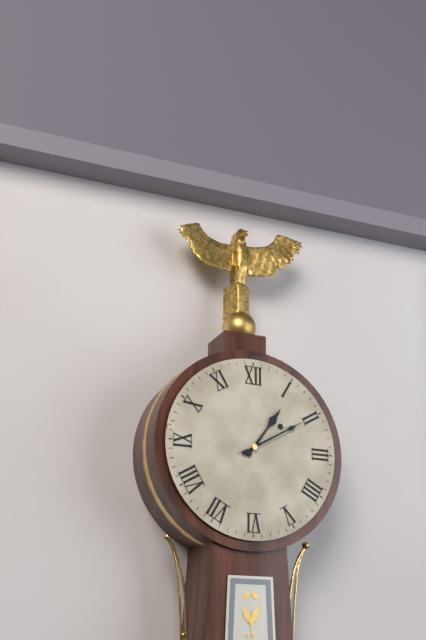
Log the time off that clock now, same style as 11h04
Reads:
1h10
